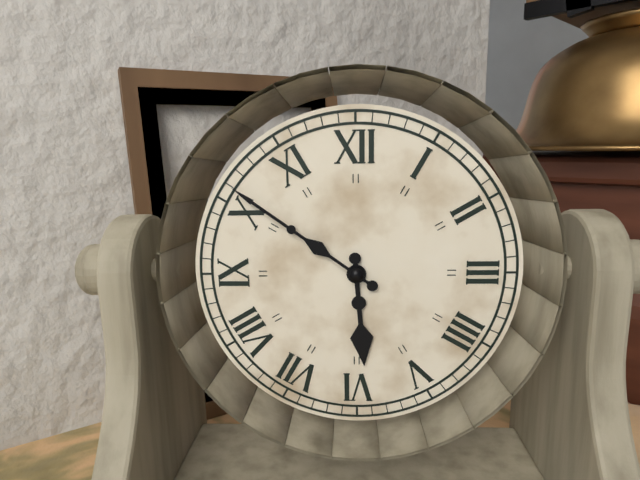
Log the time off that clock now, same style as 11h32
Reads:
5h51
